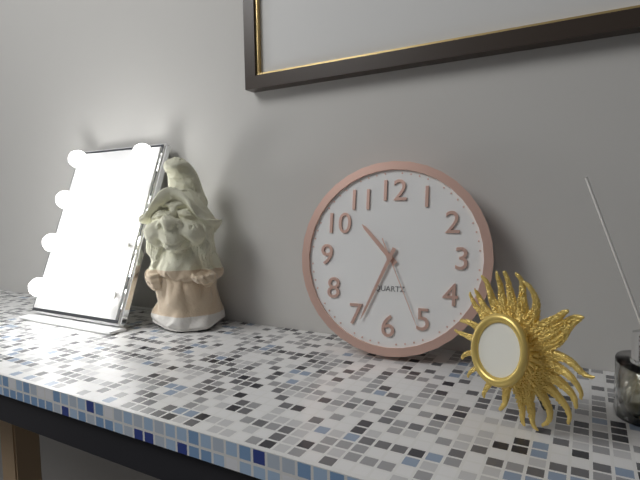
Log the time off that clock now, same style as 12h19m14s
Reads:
10h34m26s
